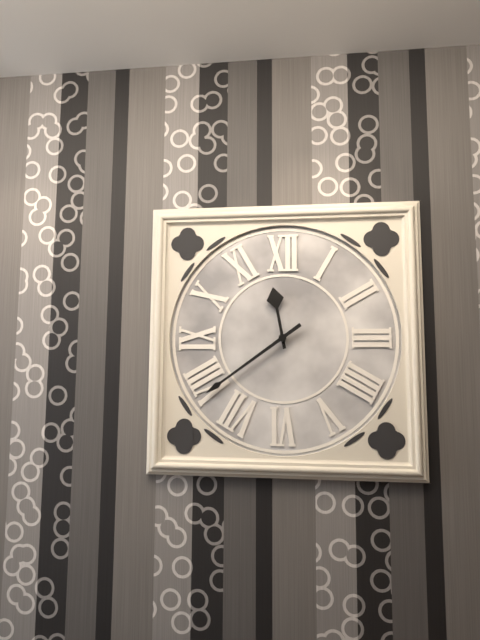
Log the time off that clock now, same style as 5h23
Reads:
11h39
